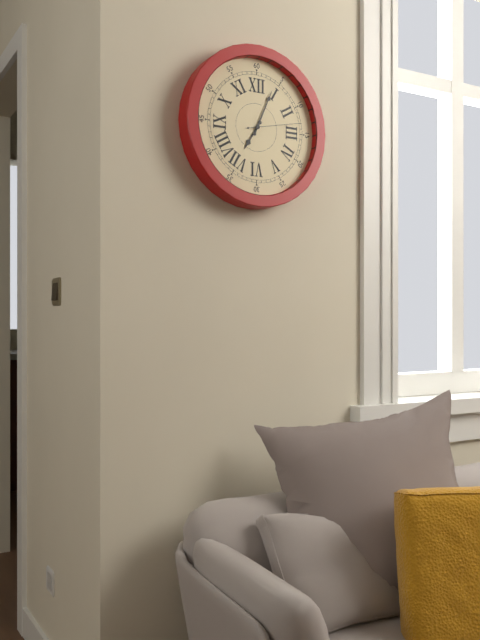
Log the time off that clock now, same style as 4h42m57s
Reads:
7h04m13s
